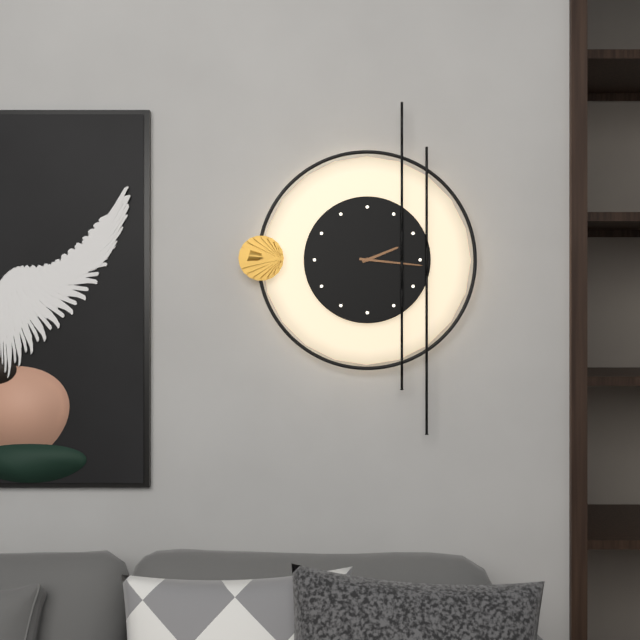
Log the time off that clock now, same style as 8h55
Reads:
2h16
